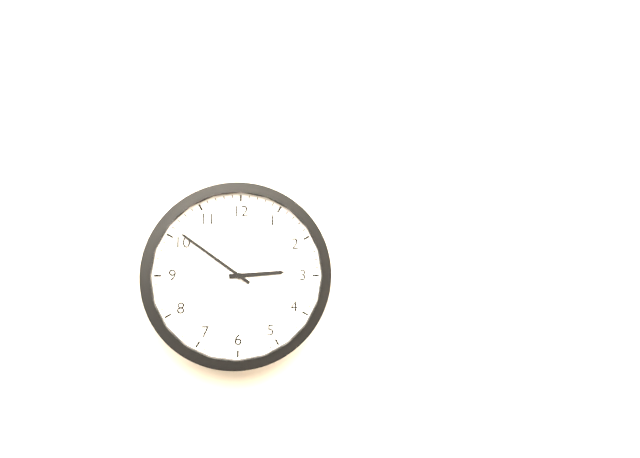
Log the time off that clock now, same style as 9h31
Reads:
2h51
